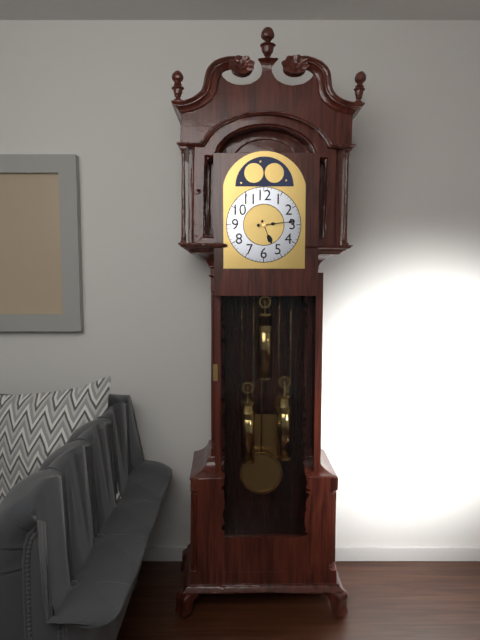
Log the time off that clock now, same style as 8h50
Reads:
5h14
